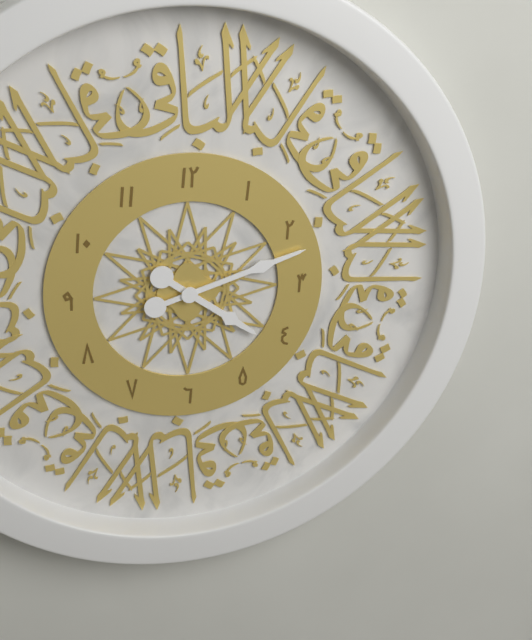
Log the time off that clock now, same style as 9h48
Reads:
4h12
